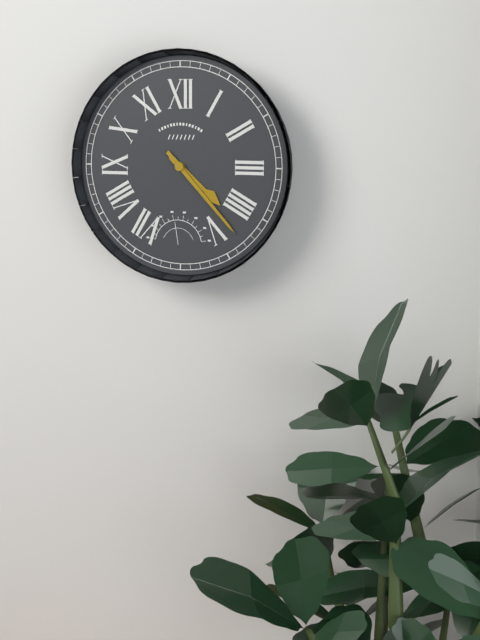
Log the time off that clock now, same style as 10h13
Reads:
4h23
